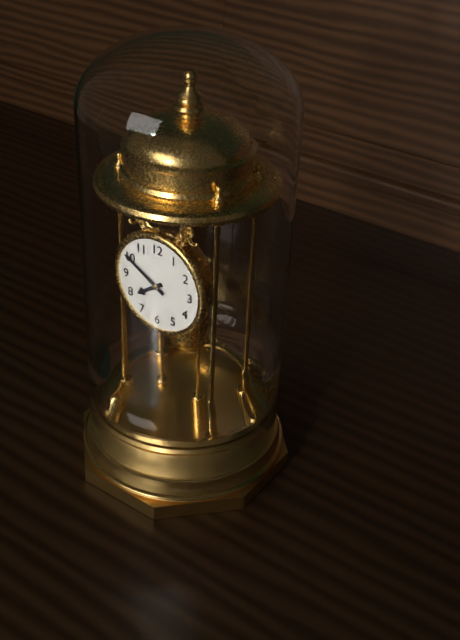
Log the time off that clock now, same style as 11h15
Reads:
7h50
